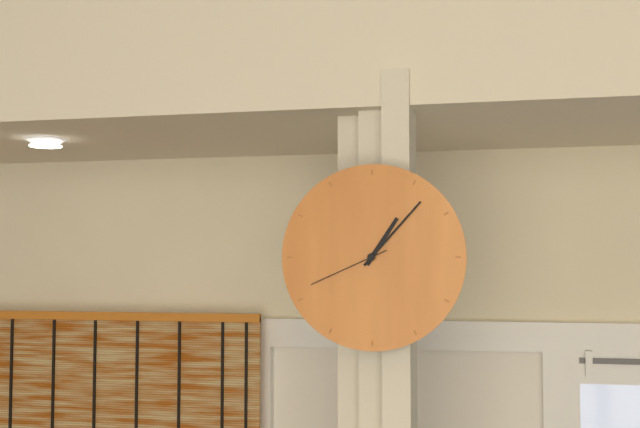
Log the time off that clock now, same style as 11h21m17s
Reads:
1h07m41s
